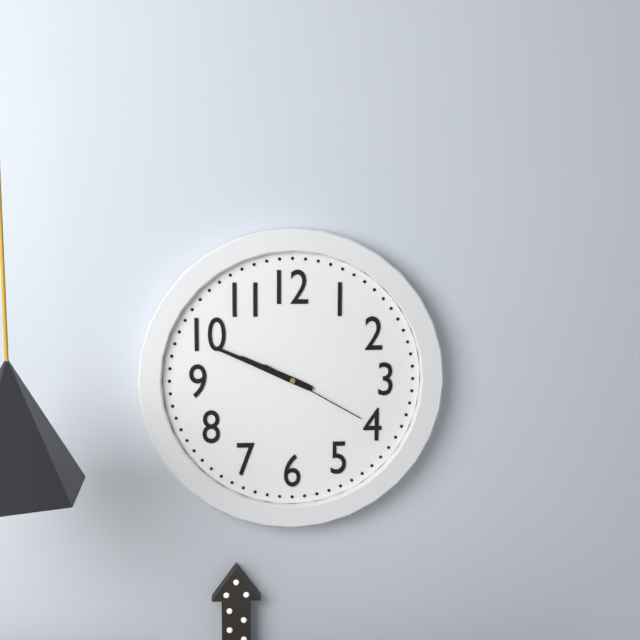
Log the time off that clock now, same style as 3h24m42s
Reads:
9h49m20s
